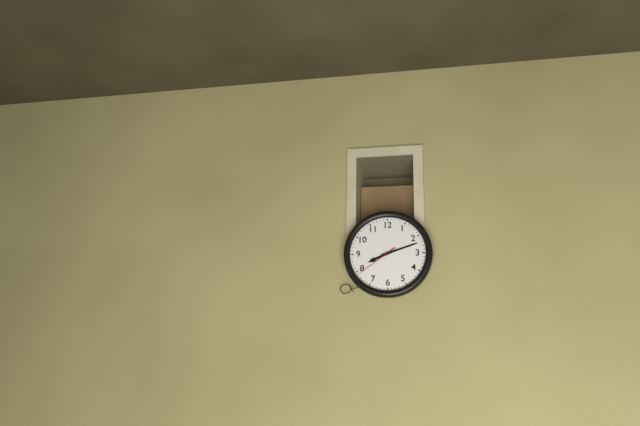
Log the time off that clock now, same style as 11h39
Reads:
8h12
